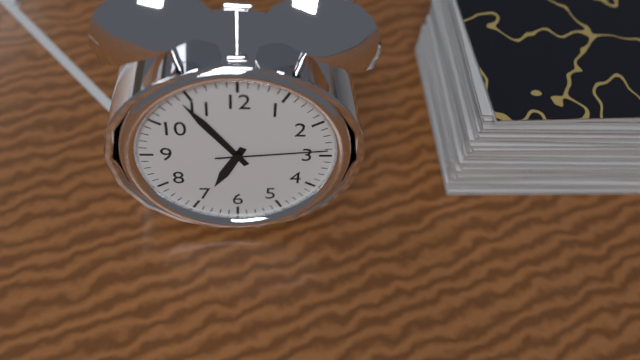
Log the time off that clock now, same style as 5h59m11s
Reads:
6h54m14s
